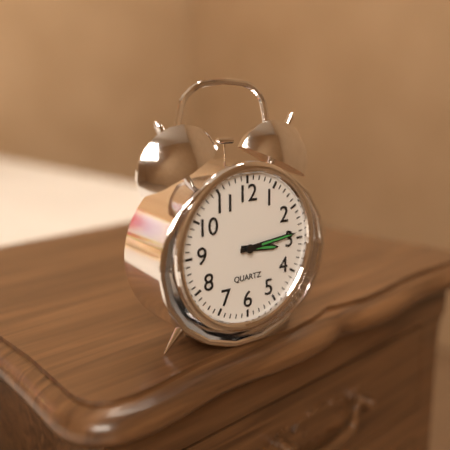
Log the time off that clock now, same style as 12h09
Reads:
3h14
